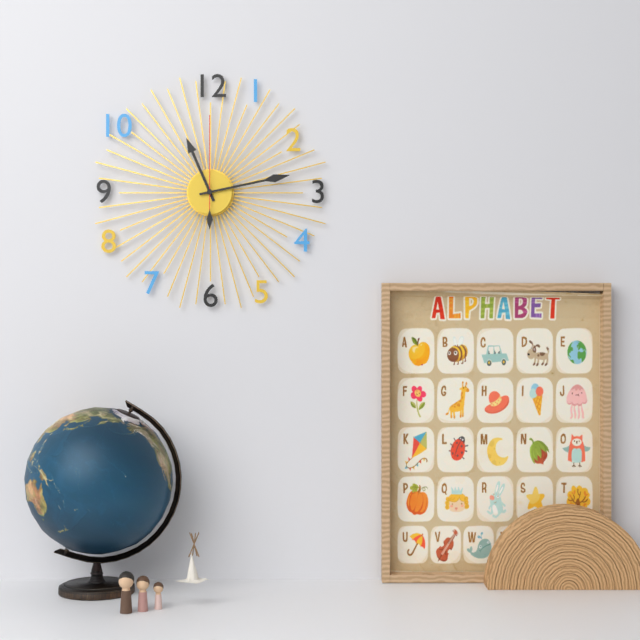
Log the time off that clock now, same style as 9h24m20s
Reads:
11h13m00s
